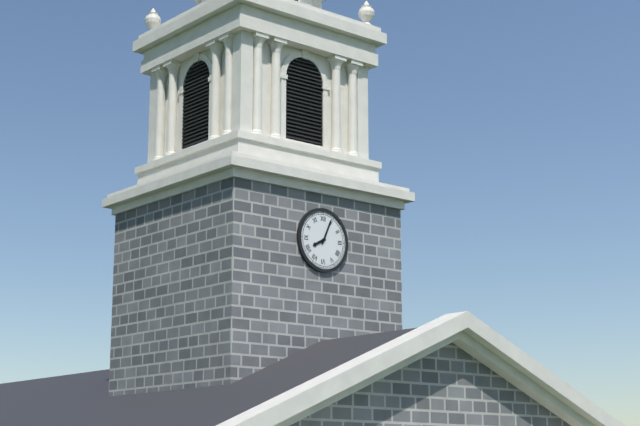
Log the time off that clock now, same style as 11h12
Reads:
8h04
